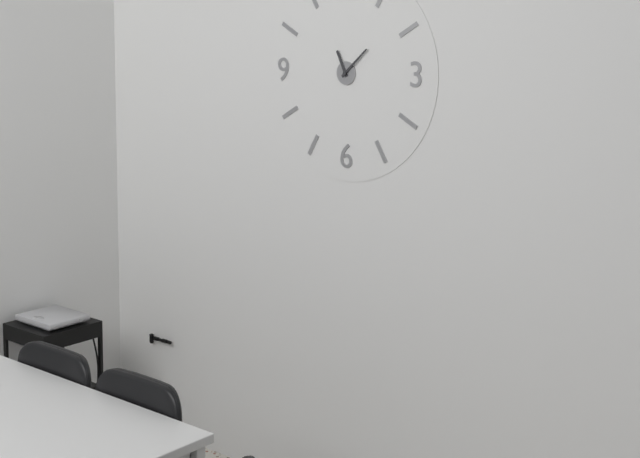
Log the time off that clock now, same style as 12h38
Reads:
11h08
